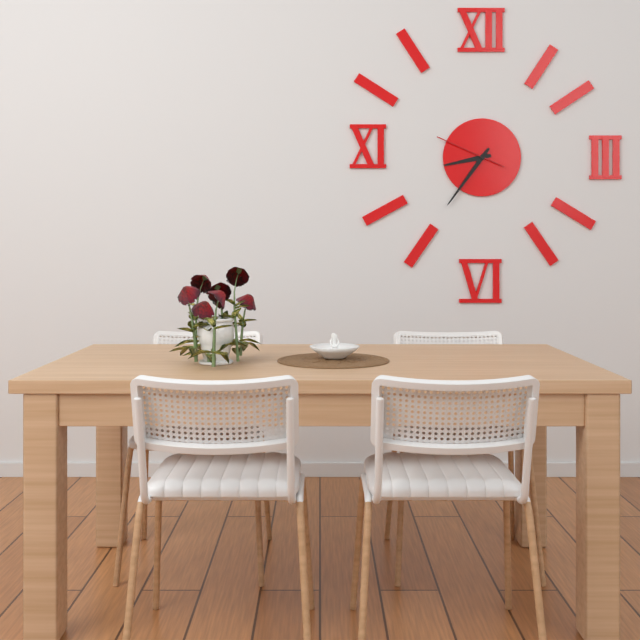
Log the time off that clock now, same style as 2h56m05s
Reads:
8h36m49s
